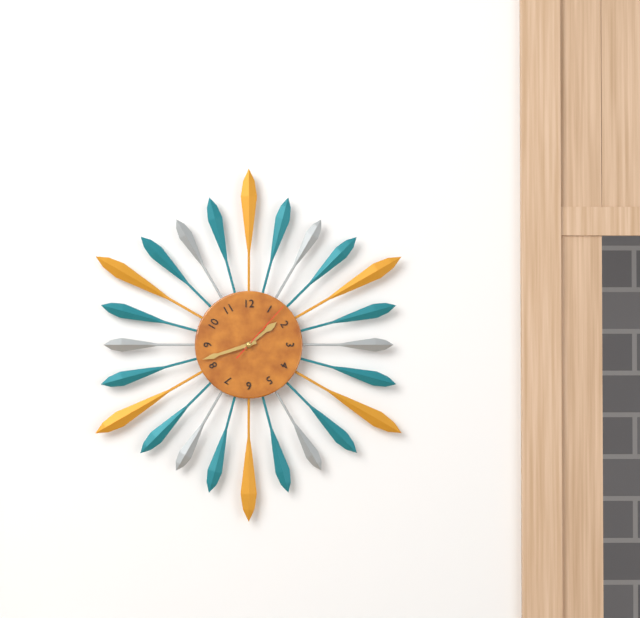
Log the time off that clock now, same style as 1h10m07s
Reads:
1h42m07s
